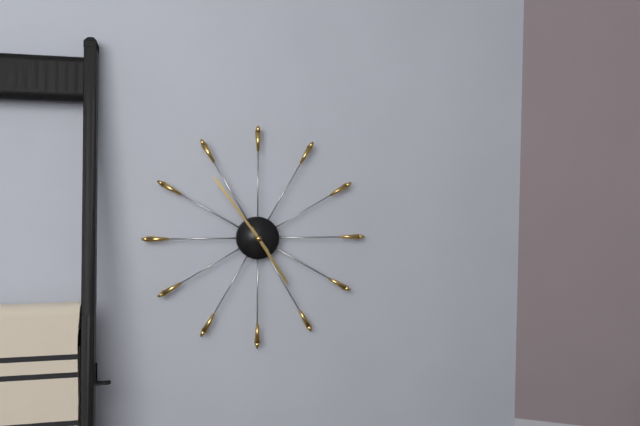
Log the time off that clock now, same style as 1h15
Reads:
4h54
